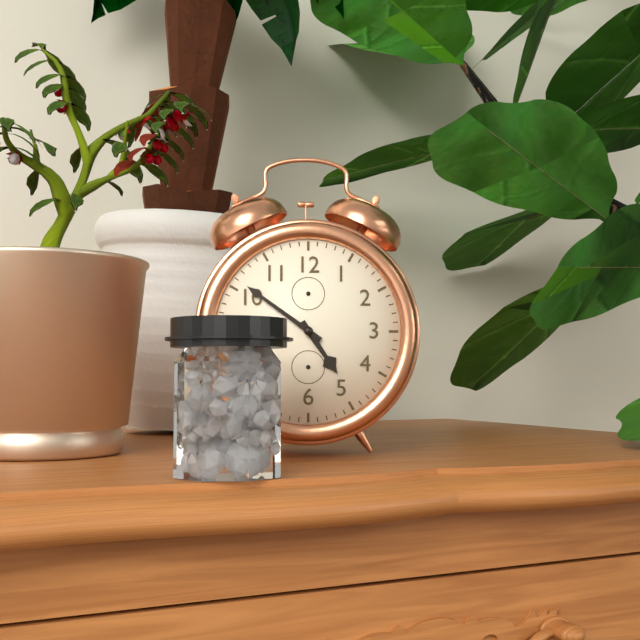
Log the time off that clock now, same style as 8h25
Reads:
4h51
